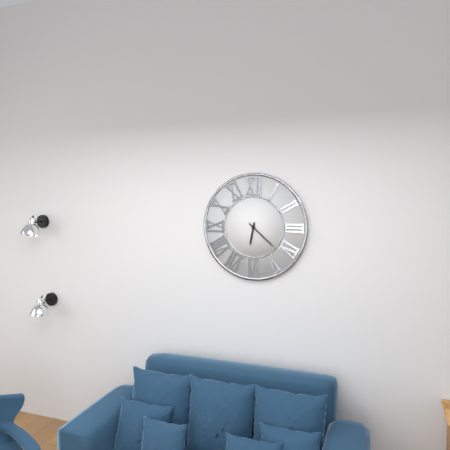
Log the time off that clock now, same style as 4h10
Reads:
6h22
